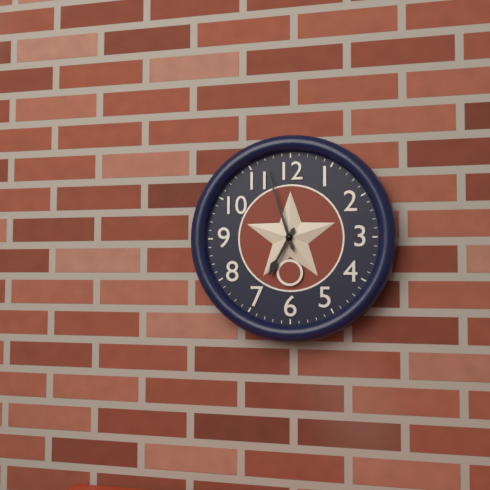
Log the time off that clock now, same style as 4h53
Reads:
6h57
